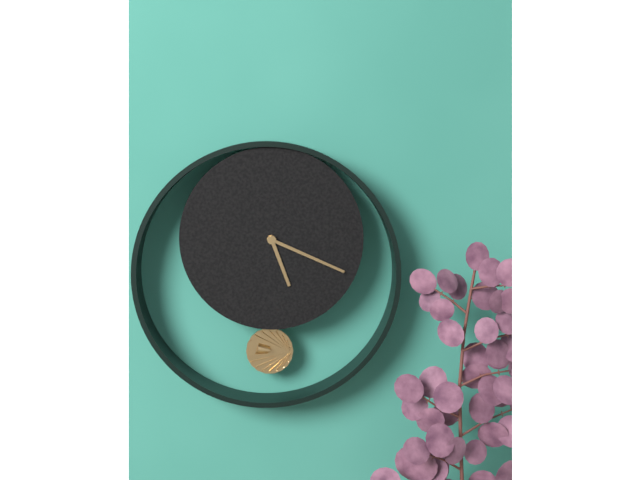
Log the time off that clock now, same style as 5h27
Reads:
5h19
